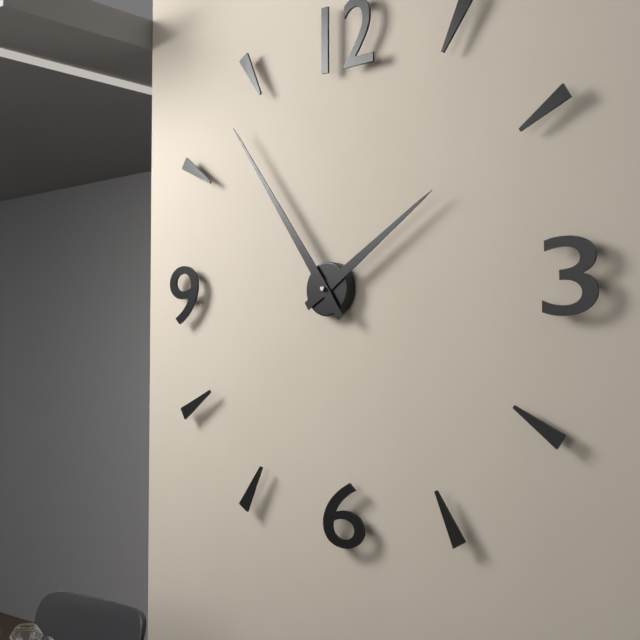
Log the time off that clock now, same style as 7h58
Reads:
1h54
